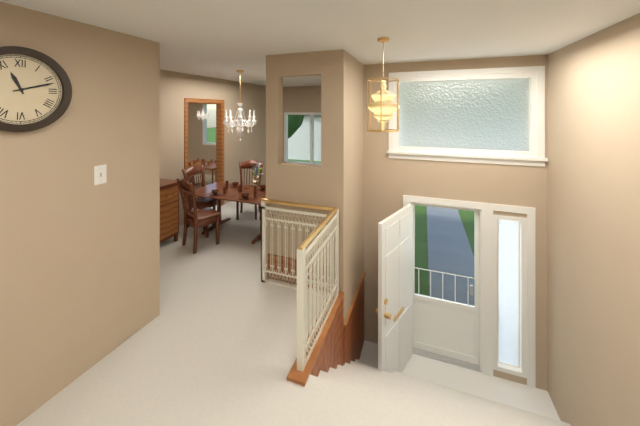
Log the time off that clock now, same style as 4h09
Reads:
11h12
